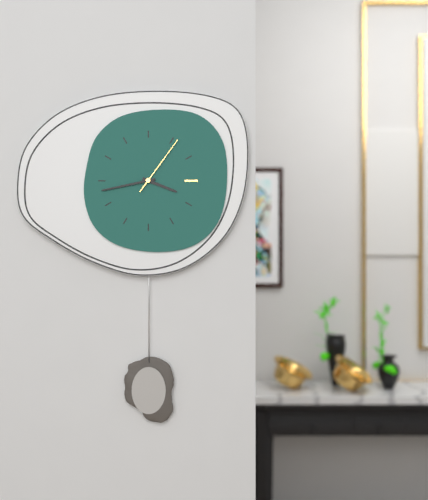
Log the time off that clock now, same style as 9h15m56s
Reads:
3h43m06s
